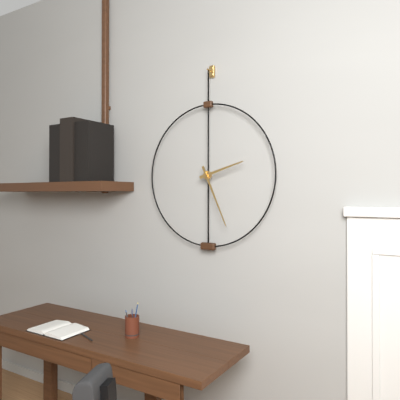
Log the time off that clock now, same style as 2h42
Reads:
2h26
